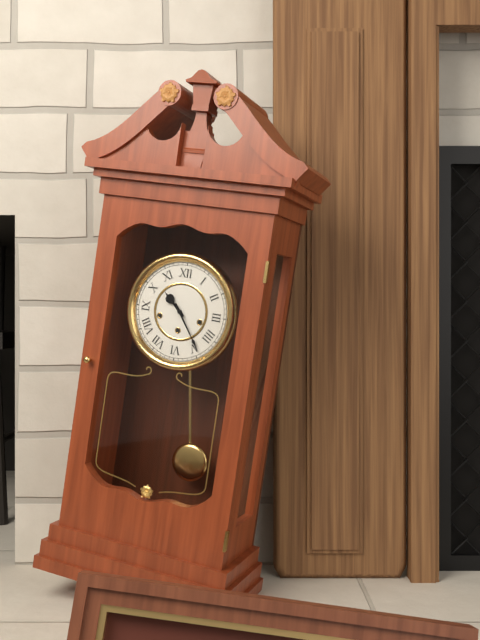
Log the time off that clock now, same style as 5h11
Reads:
10h24
